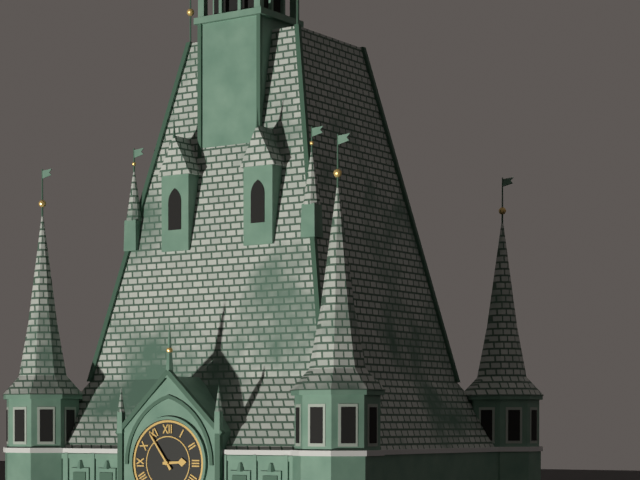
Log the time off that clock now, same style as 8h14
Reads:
2h54
